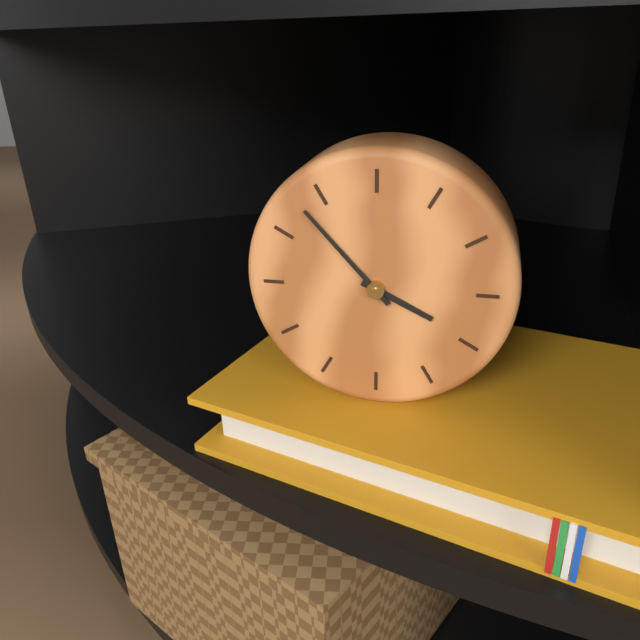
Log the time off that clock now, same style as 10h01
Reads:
3h53
